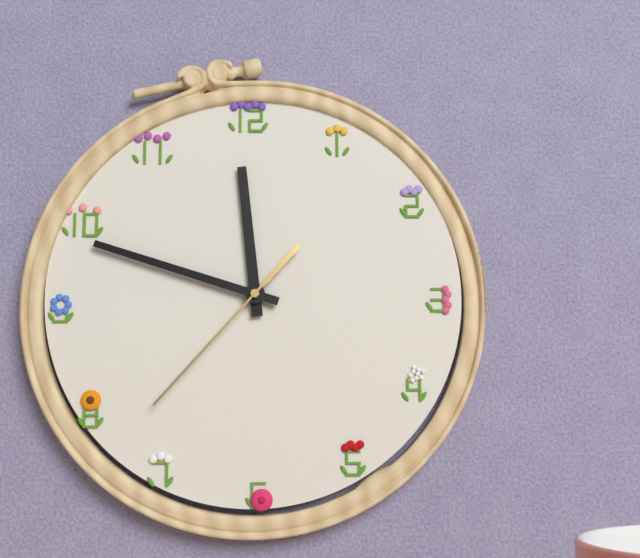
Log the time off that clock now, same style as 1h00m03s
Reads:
11h48m37s
